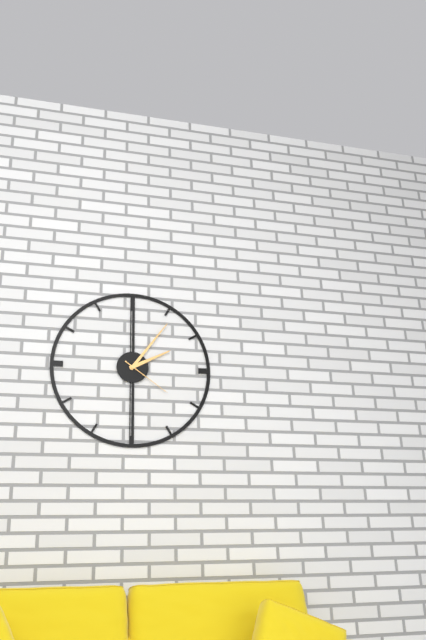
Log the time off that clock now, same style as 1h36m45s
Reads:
2h06m21s
